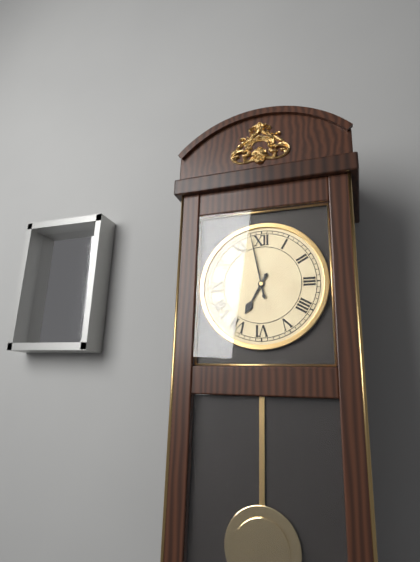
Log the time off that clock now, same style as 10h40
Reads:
6h58
